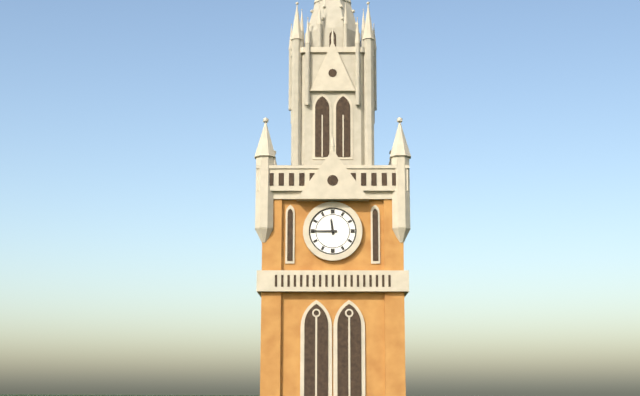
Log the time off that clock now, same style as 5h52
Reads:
11h45
